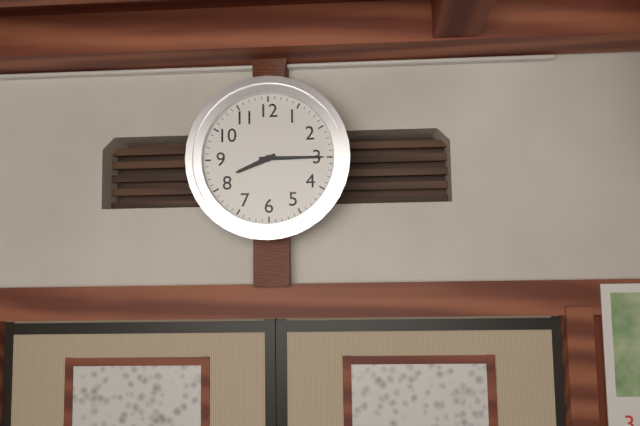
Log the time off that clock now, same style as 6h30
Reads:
8h15
